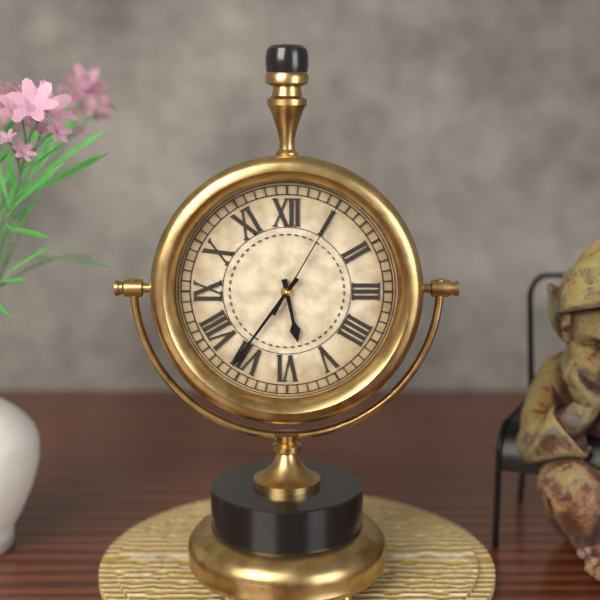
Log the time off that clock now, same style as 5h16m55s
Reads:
5h36m05s
